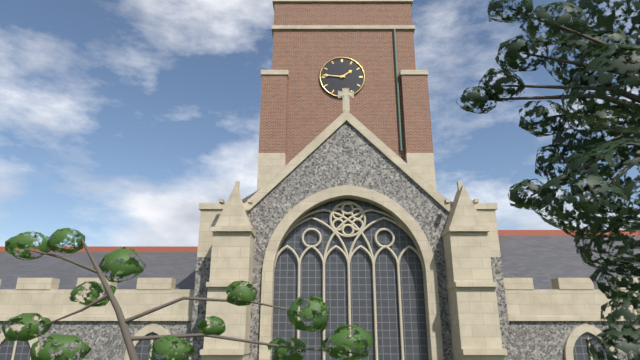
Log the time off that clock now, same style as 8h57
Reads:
1h46
